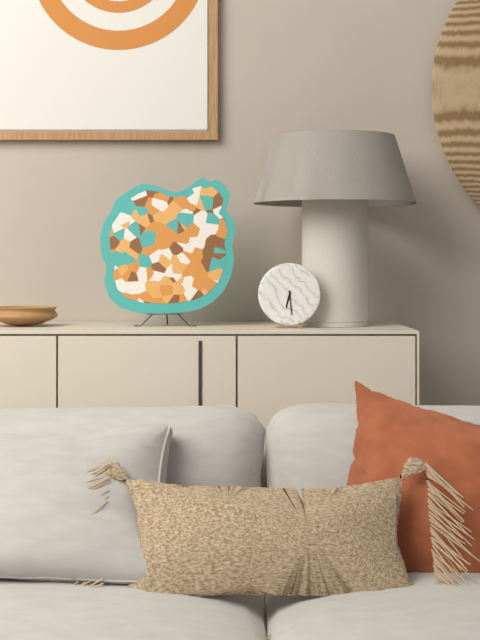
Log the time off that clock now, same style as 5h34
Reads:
6h29
